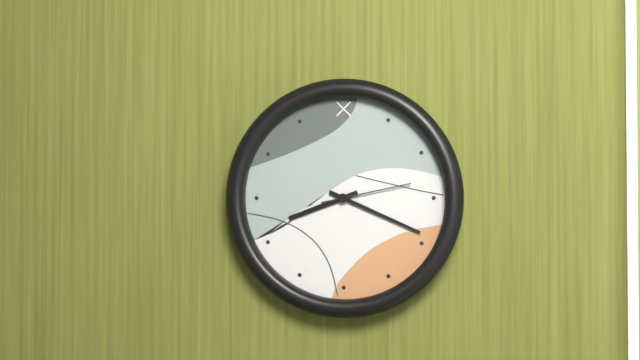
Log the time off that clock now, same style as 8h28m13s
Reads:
8h19m13s
